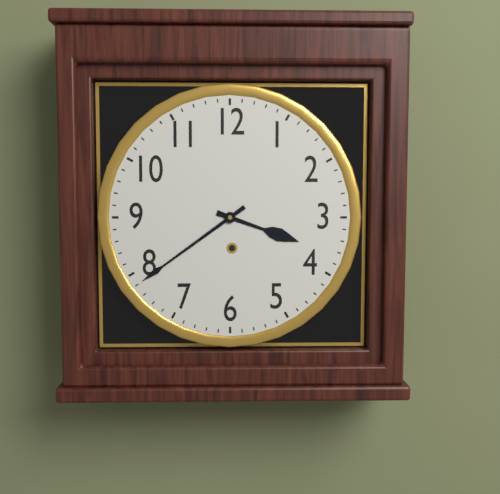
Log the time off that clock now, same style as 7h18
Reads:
3h39
